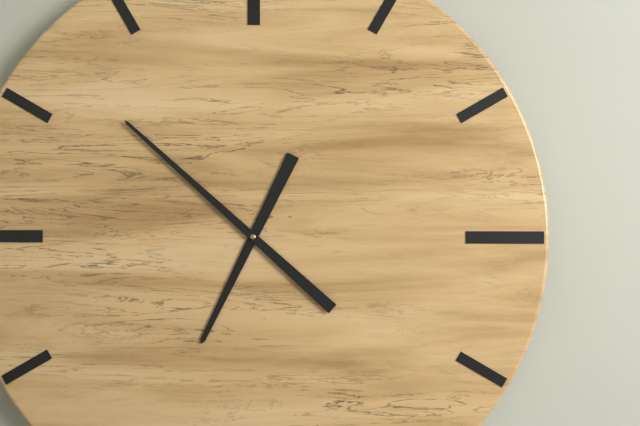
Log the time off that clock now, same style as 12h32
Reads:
6h52
